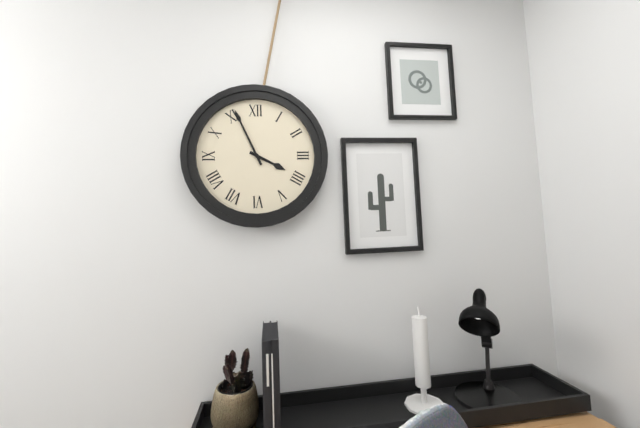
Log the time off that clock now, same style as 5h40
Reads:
3h56
